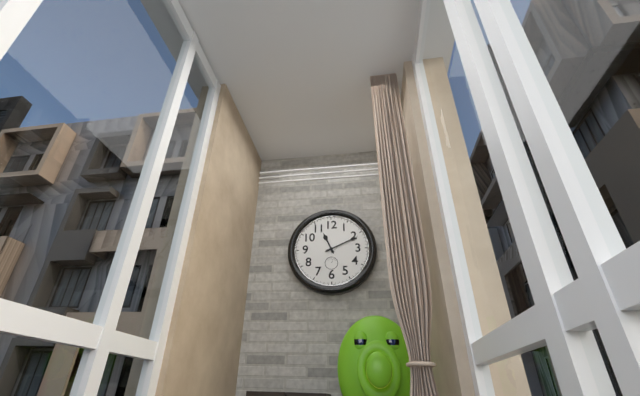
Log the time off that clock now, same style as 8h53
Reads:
11h11
